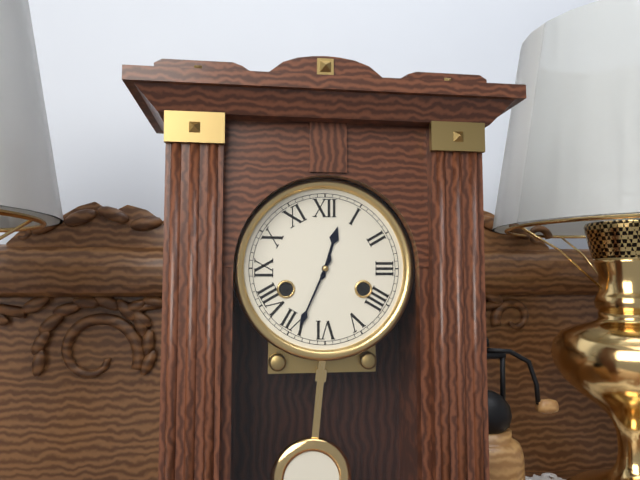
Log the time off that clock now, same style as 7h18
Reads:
12h34
